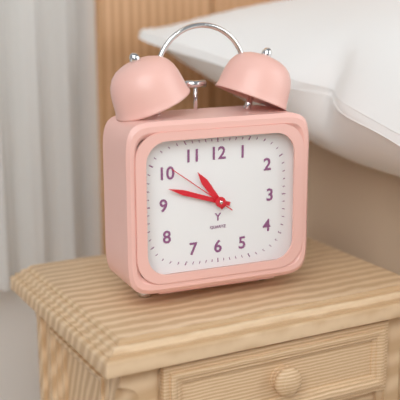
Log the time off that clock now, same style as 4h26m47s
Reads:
10h48m51s
